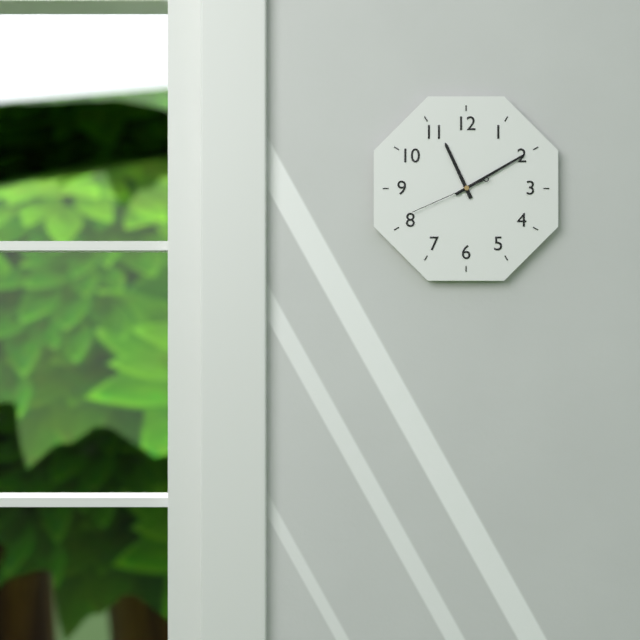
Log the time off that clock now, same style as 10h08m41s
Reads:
11h10m41s
